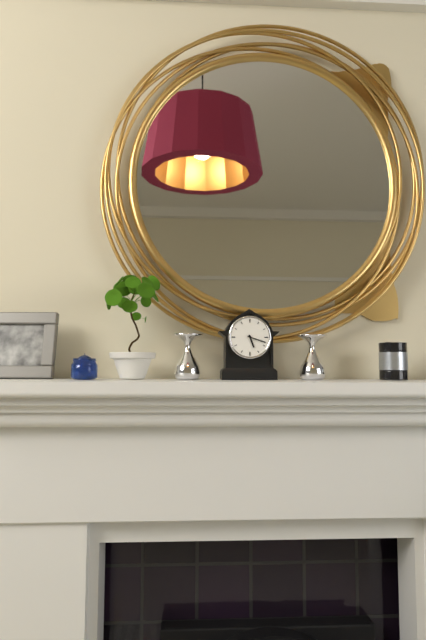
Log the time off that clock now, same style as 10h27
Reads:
5h18
